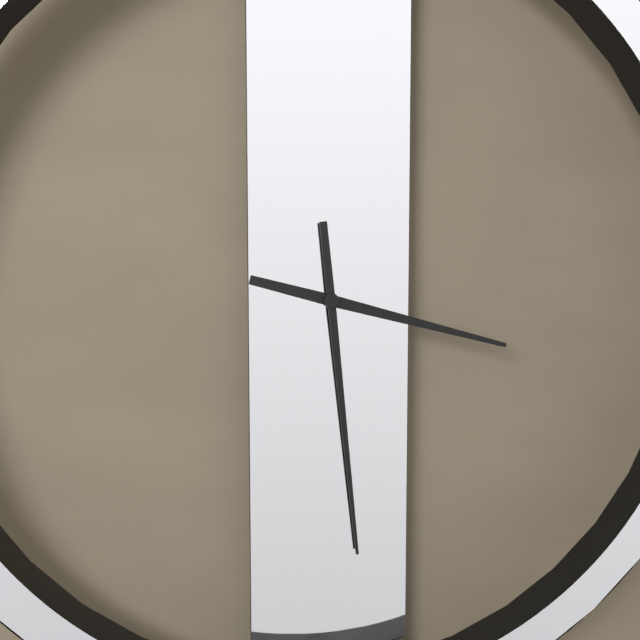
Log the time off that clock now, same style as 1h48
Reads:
3h29
